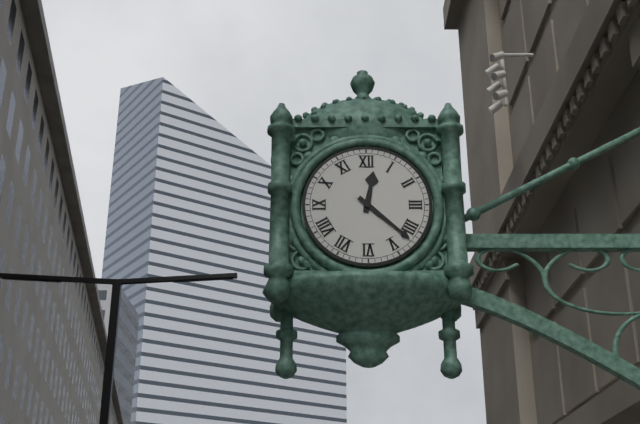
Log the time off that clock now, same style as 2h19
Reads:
12h22
